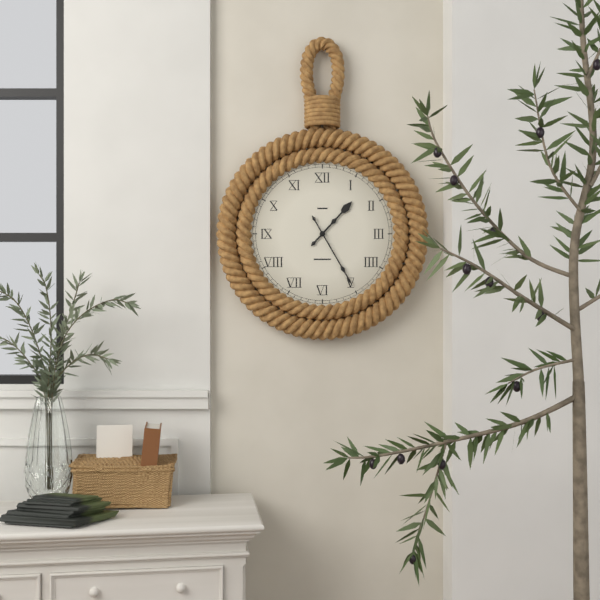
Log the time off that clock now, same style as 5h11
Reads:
1h25
